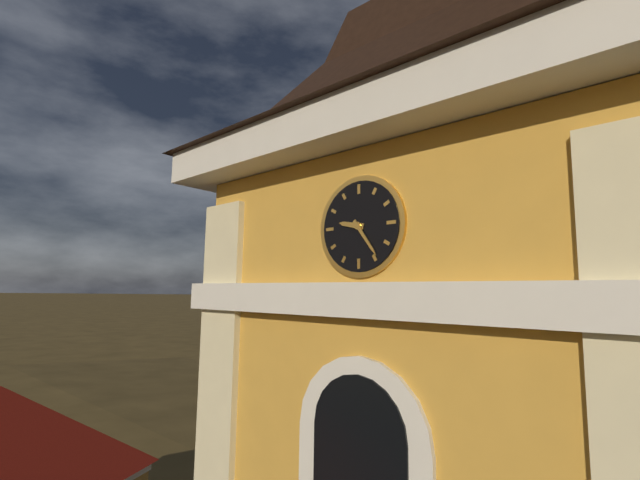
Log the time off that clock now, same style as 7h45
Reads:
9h24
